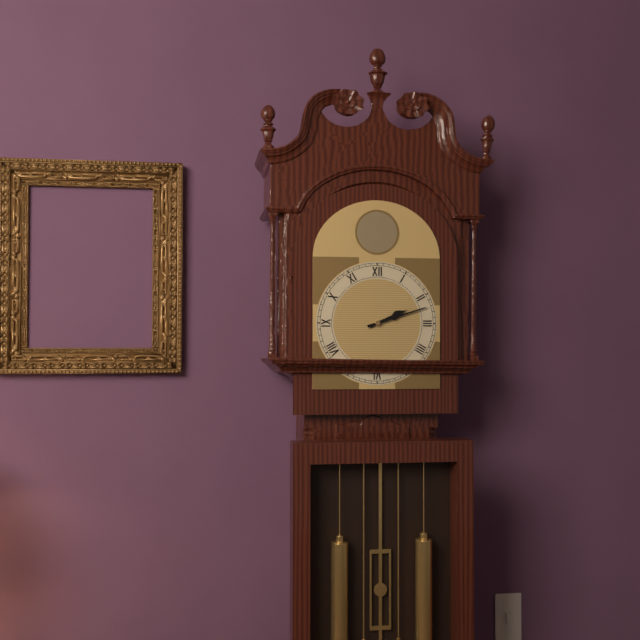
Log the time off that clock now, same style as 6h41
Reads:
2h12
